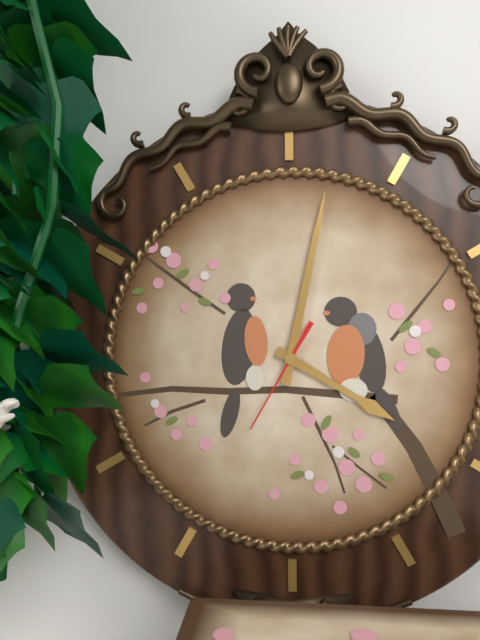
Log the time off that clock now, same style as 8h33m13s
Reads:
4h02m35s
